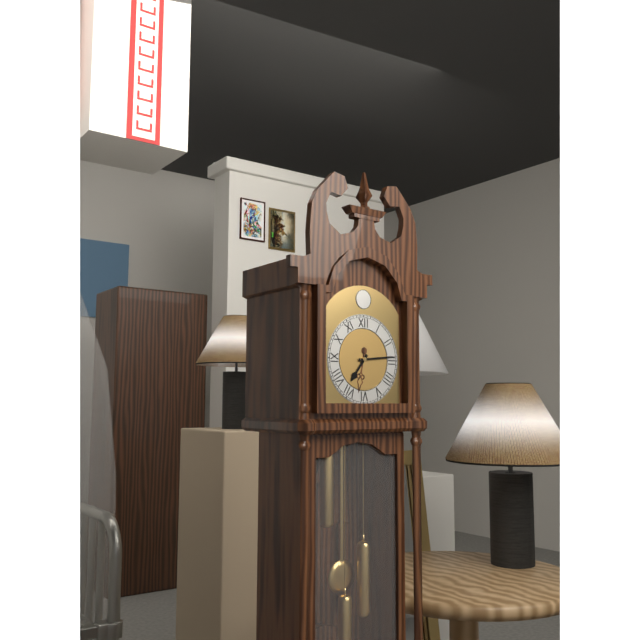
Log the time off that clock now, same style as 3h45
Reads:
7h14
